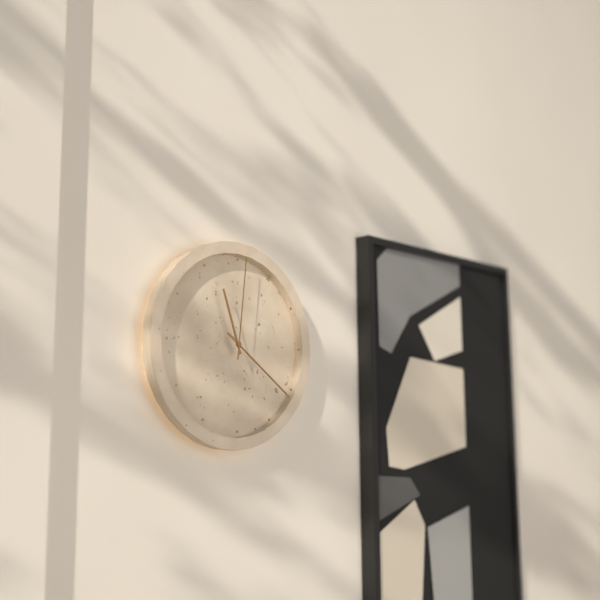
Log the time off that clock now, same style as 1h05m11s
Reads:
11h21m01s
